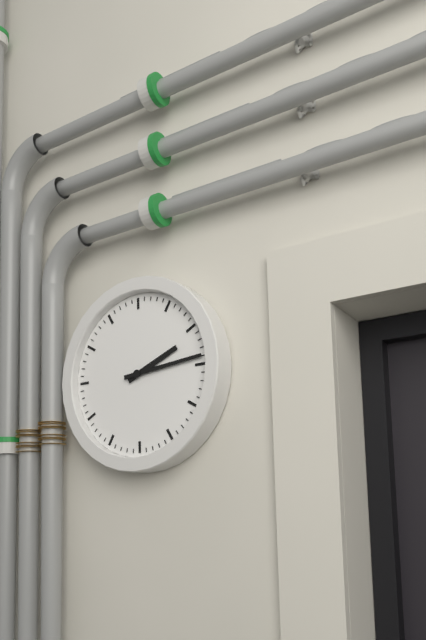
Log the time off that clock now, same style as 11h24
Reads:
2h14
